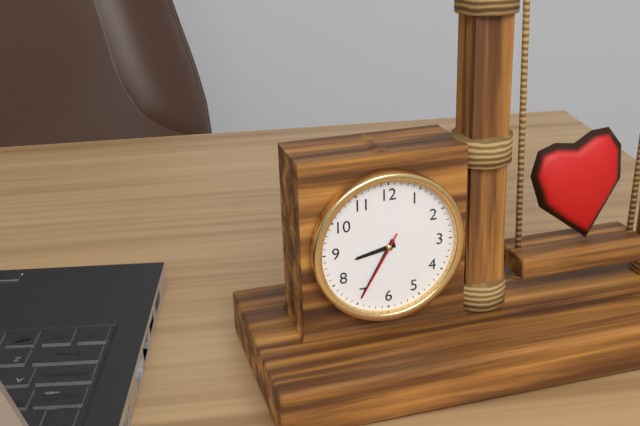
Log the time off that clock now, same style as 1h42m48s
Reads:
8h35m35s
